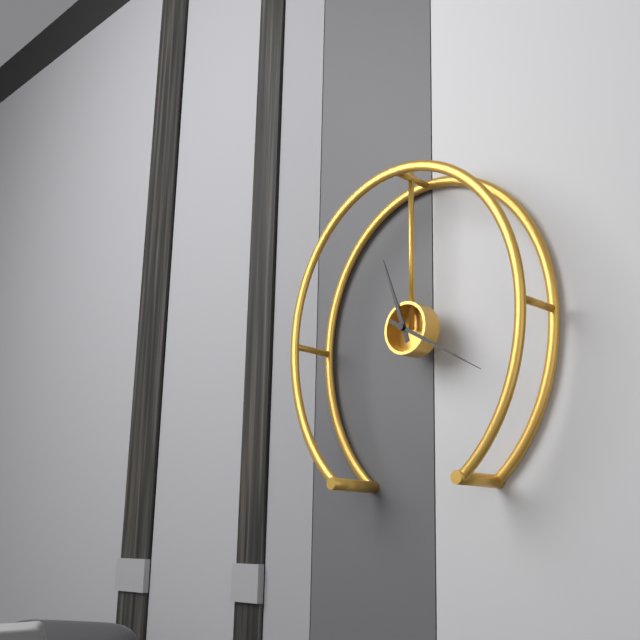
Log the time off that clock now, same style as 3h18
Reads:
11h20
